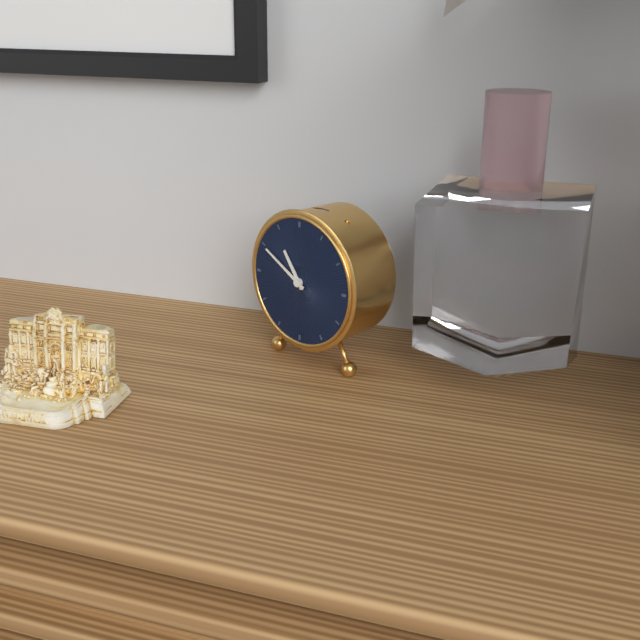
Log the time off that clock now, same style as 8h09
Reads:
10h50
